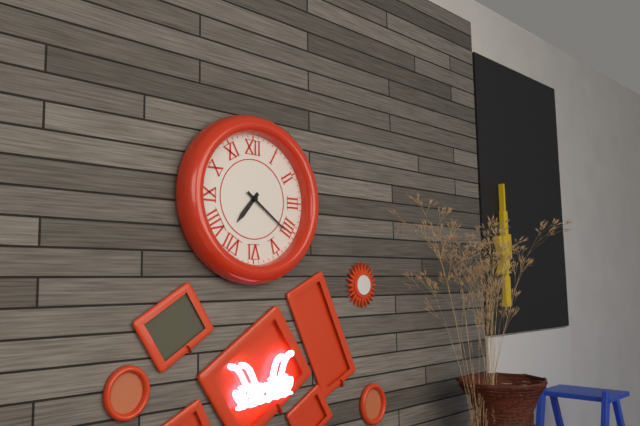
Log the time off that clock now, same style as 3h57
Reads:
7h21
